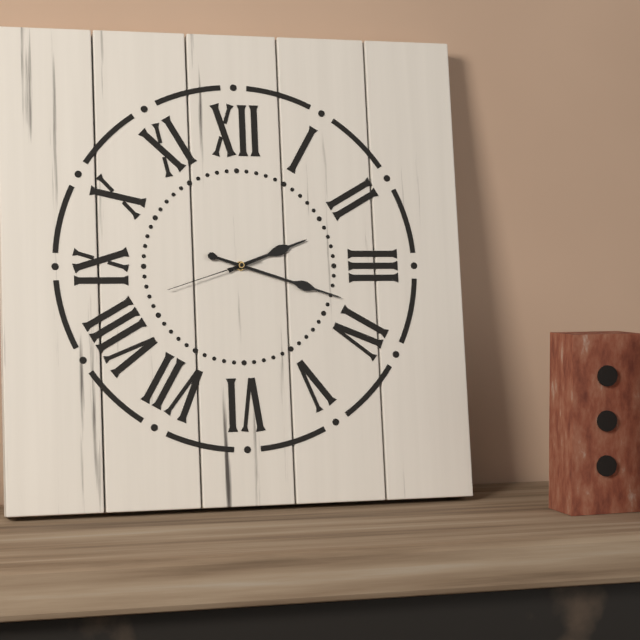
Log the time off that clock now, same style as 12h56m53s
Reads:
2h18m42s
